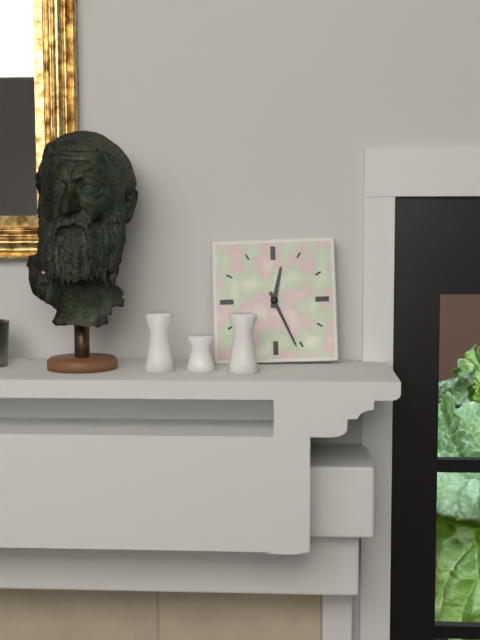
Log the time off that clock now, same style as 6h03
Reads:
12h26
